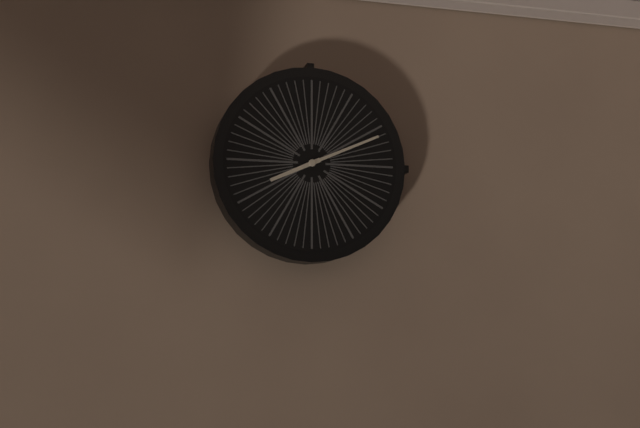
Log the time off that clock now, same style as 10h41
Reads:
8h11
